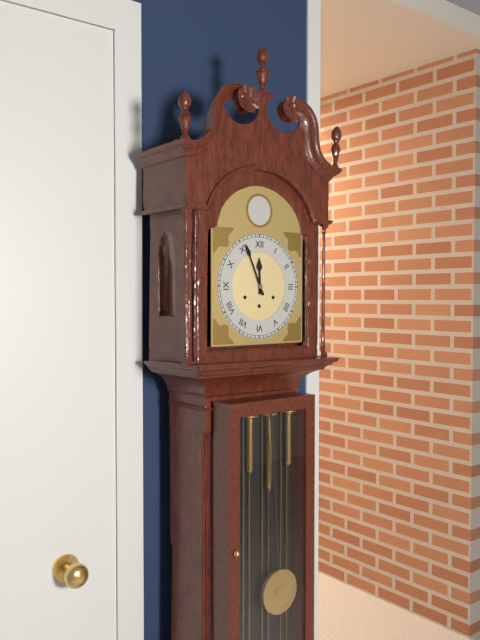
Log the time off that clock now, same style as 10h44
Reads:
11h56
